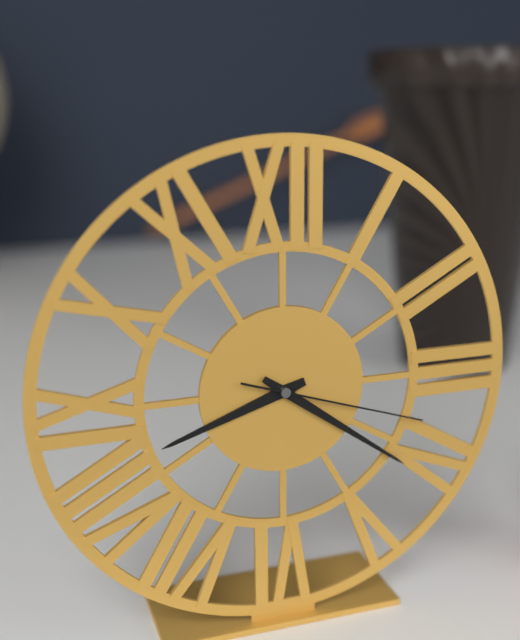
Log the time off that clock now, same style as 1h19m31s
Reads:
8h21m18s
